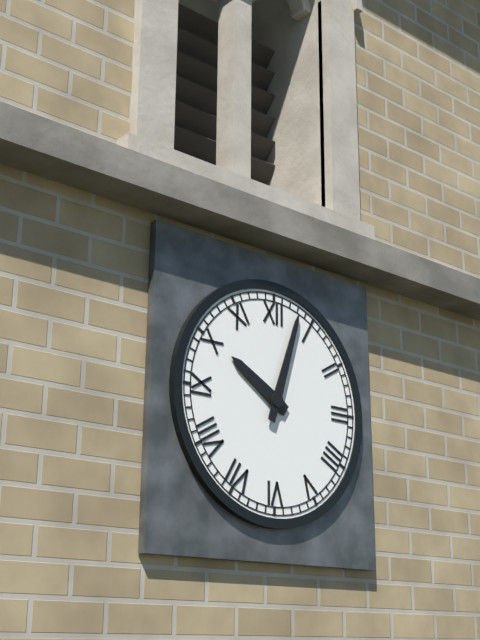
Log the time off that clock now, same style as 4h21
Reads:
10h03
